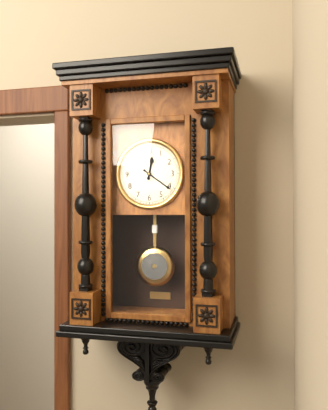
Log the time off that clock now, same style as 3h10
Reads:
12h21
